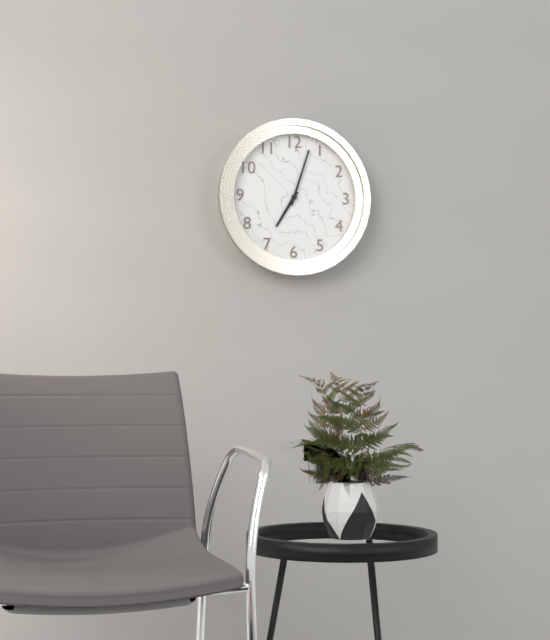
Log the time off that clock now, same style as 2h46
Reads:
7h03
